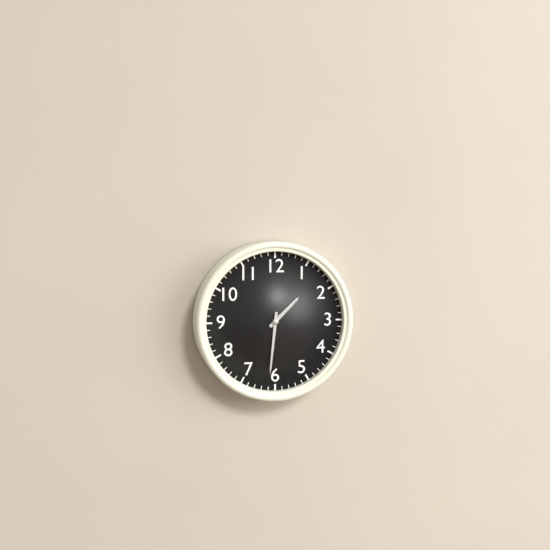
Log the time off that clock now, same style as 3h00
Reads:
1h31
